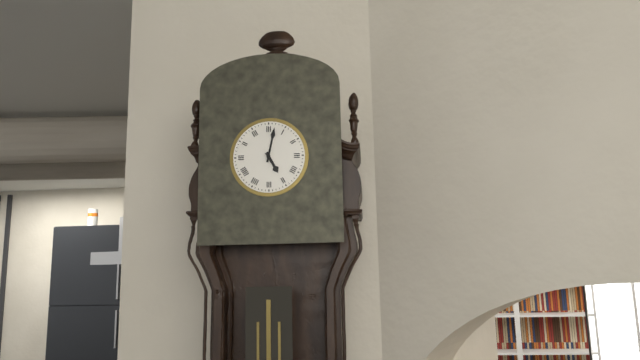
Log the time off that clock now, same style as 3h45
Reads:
5h02
